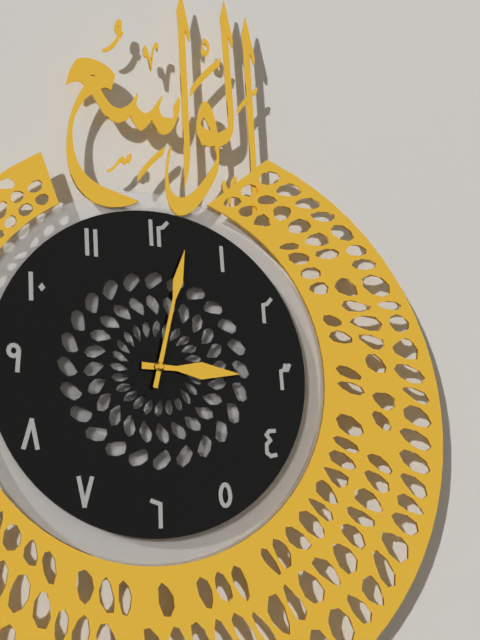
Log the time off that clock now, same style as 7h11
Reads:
3h02
